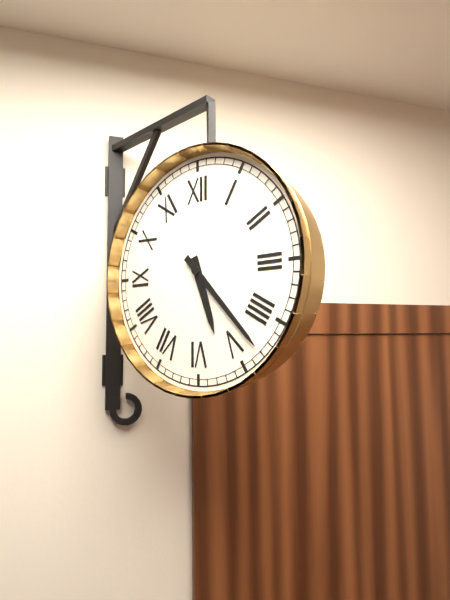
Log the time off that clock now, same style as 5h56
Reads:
5h23
